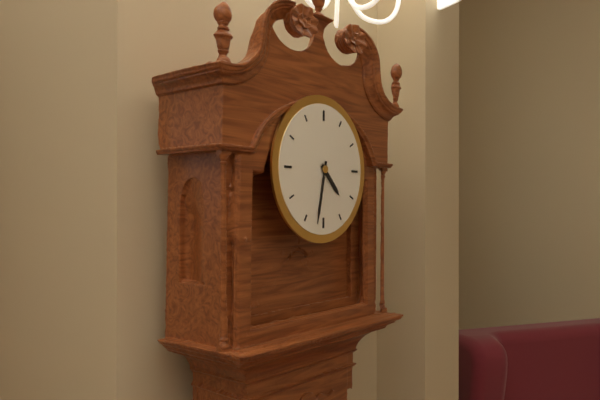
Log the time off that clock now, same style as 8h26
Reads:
4h32
